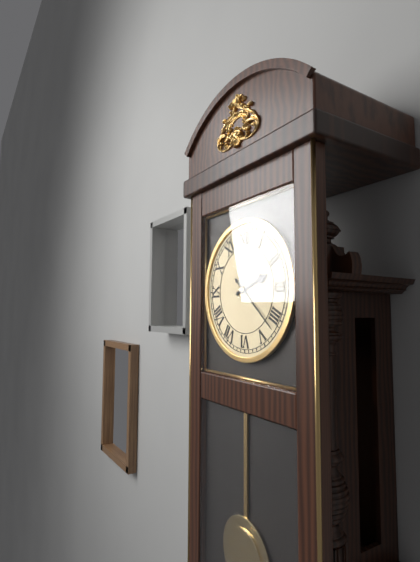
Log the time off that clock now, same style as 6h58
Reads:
2h22
